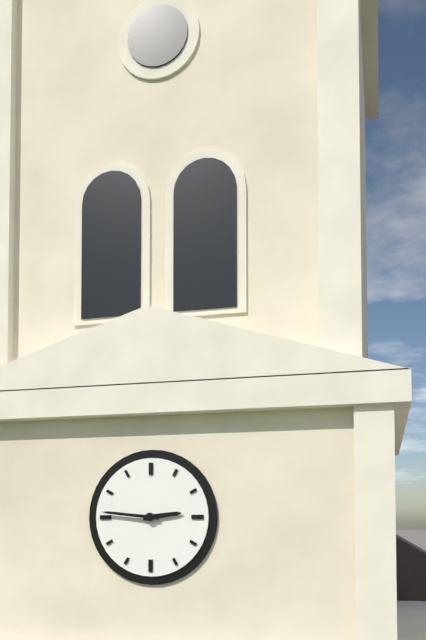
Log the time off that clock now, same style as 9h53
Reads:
2h46
